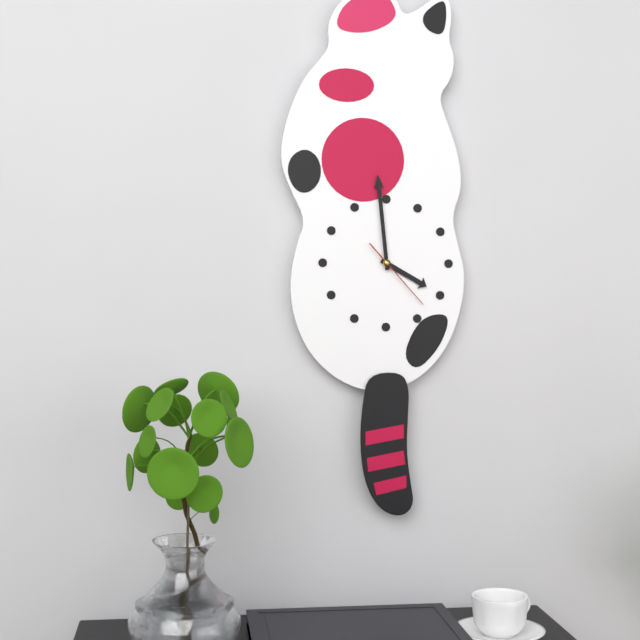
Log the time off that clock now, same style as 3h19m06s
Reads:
3h59m23s
